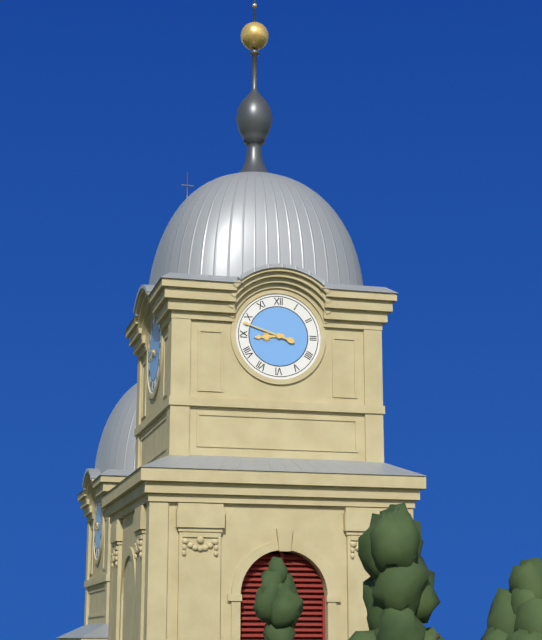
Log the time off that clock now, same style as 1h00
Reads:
8h48
